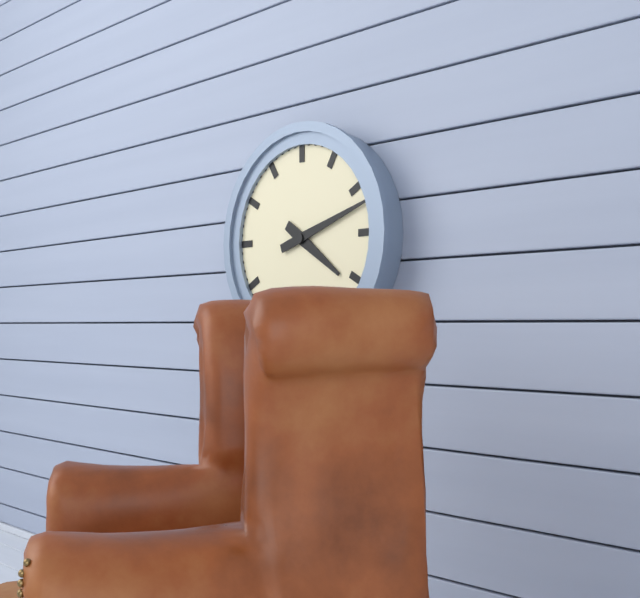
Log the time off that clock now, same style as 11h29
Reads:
4h12
